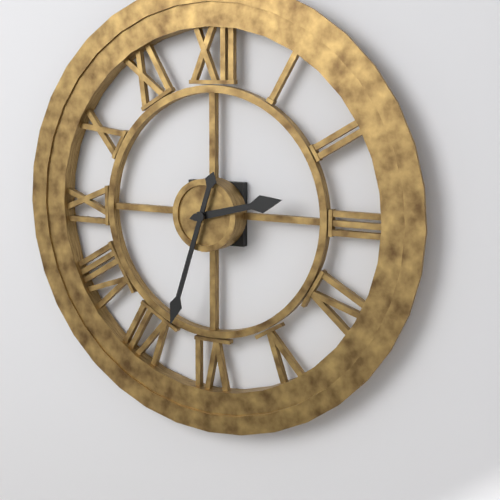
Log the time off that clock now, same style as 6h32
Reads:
2h33
